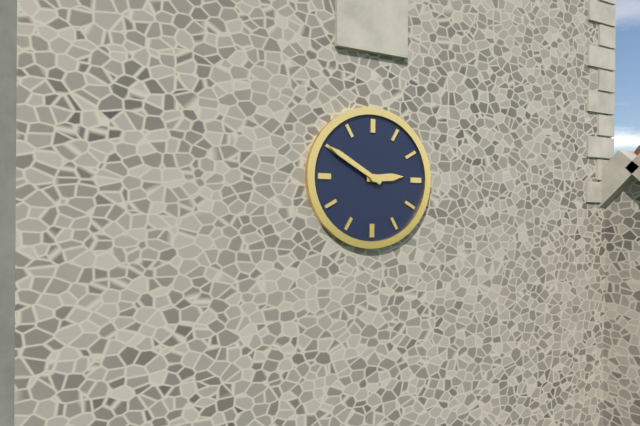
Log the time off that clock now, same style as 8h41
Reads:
2h50
